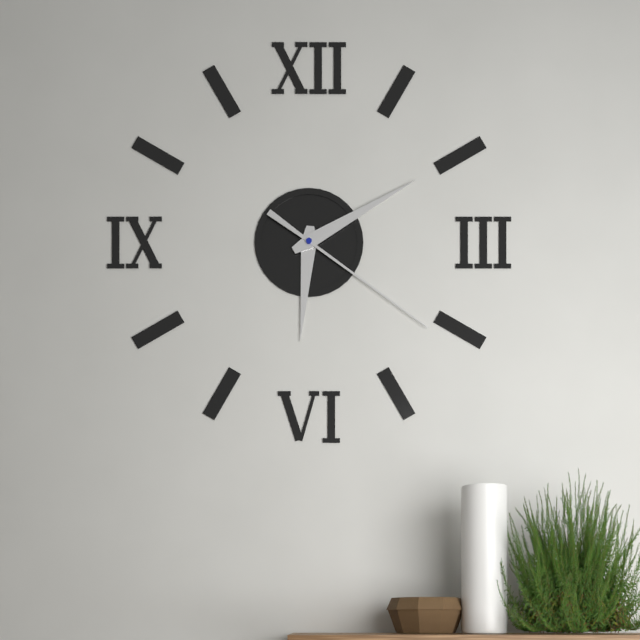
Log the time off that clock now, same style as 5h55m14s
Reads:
6h10m21s
